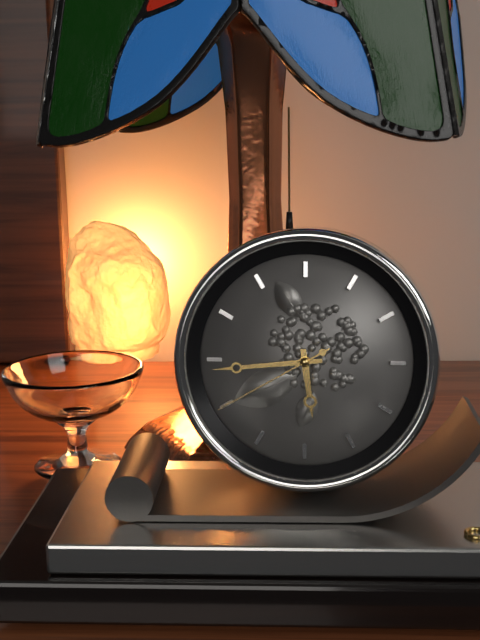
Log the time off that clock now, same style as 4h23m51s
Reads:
5h44m40s
